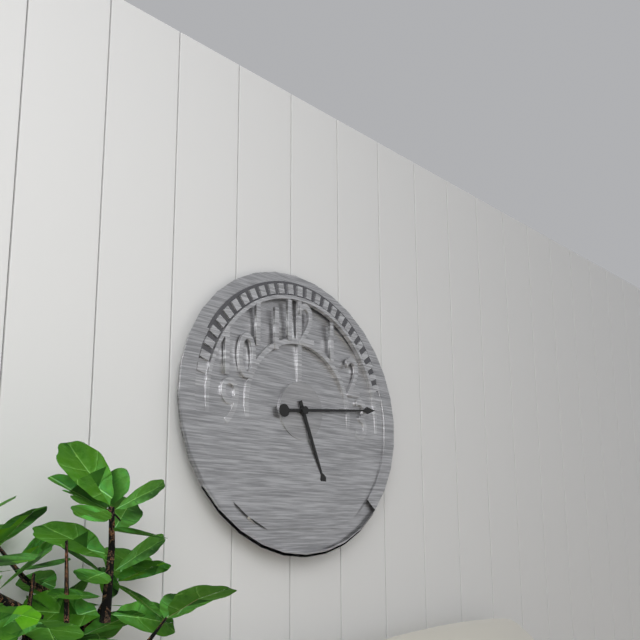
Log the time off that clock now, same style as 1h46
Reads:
5h14
